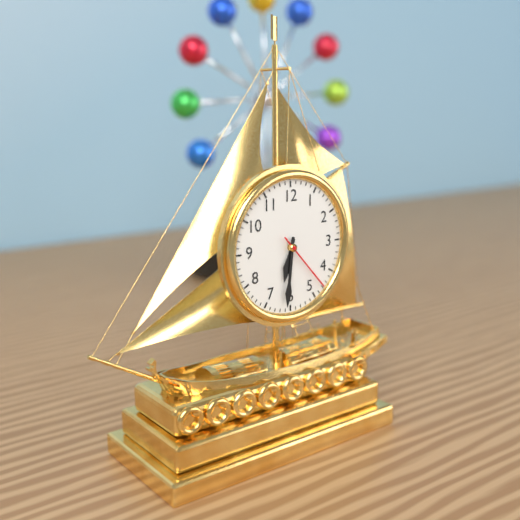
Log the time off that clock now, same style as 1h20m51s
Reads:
6h31m23s
